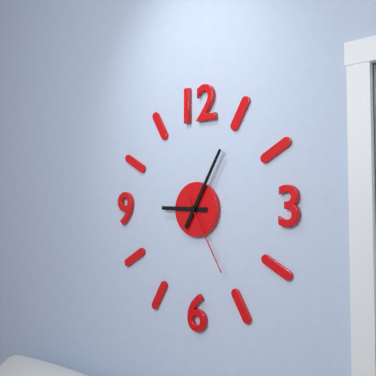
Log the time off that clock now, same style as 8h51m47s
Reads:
9h05m25s
